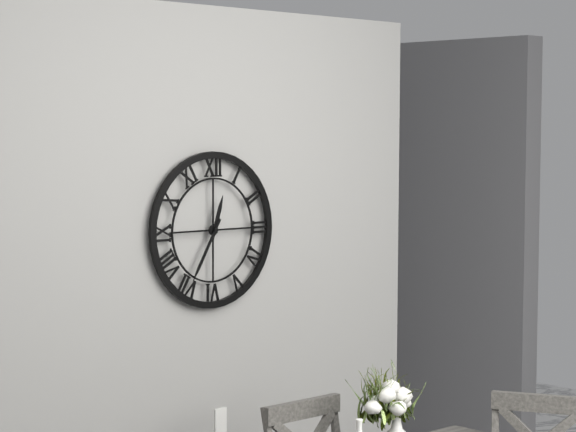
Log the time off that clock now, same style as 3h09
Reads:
12h35
